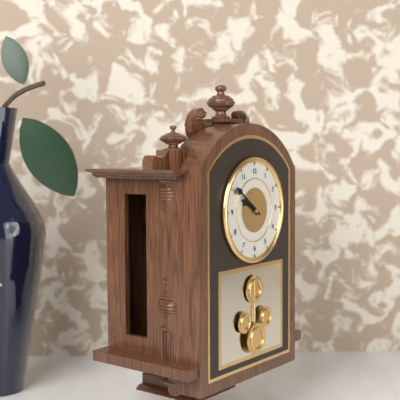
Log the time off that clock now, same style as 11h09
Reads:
9h51
